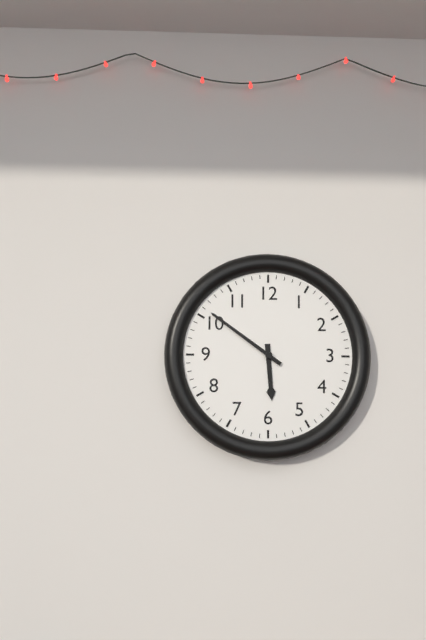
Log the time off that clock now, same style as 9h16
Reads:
5h51
